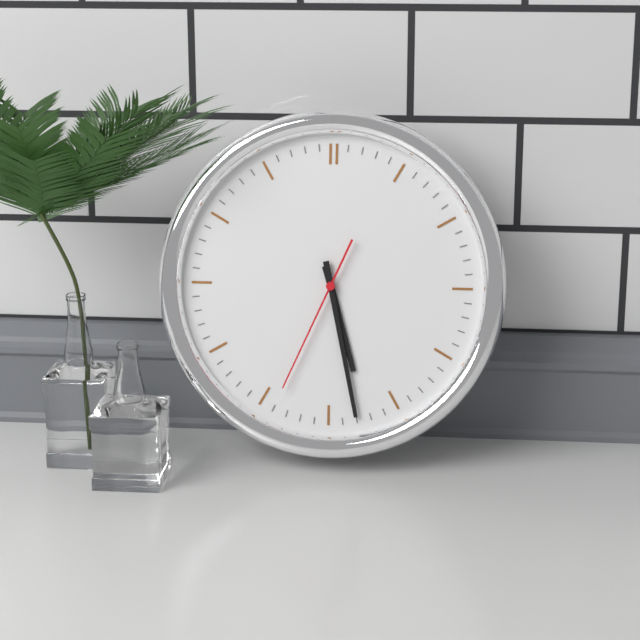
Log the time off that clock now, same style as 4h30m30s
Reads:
5h28m34s
